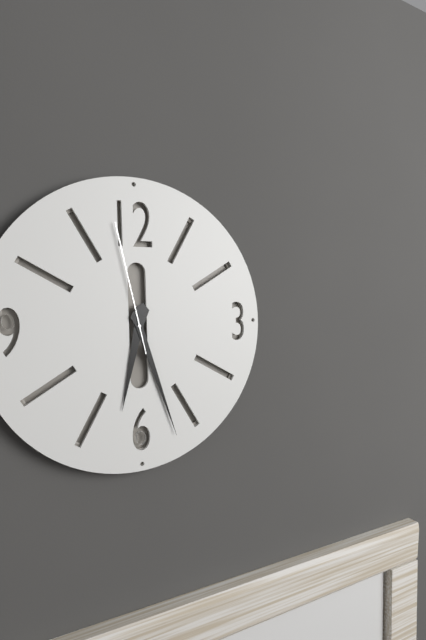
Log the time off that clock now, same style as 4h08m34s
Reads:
6h27m58s
